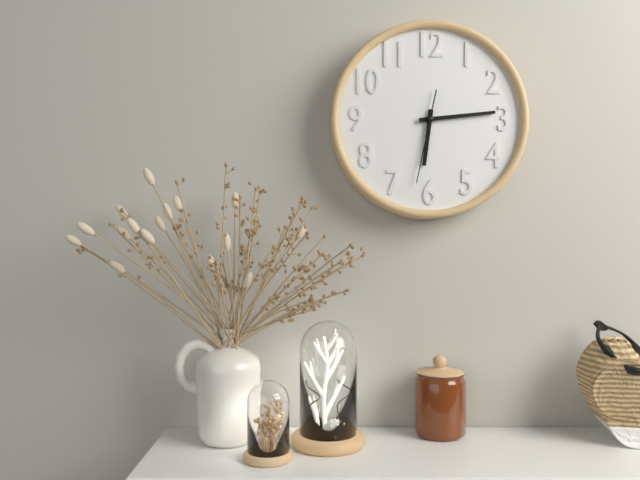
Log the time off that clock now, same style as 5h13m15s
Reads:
6h14m32s
